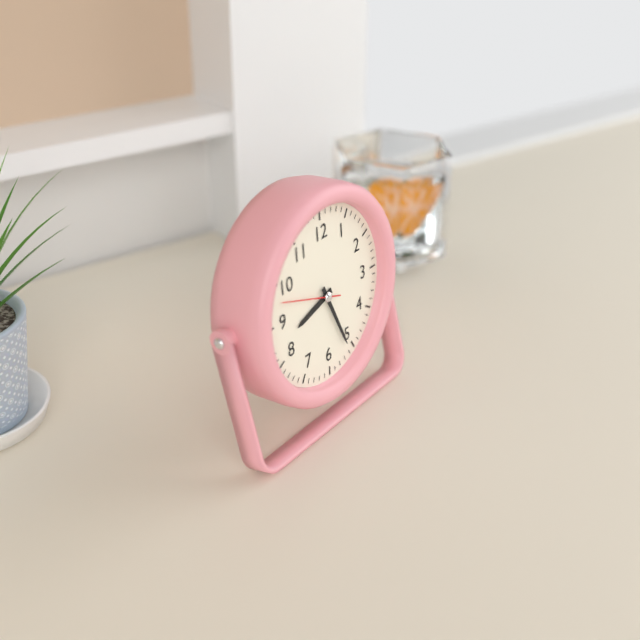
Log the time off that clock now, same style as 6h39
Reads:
8h26
